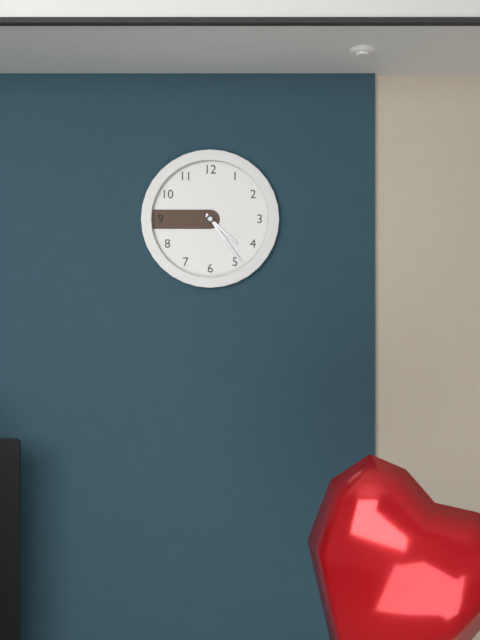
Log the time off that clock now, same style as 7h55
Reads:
4h24
